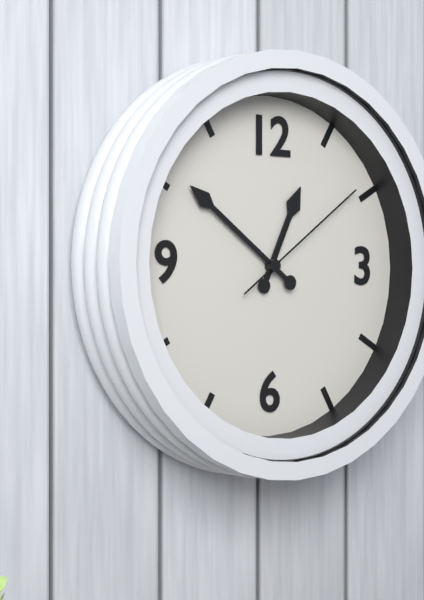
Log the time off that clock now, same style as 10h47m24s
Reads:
12h51m09s
